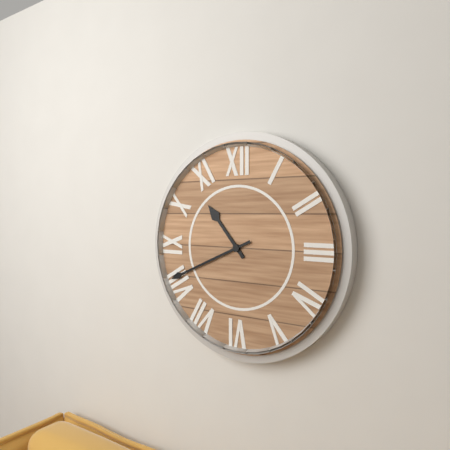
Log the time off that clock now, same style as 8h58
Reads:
10h41
